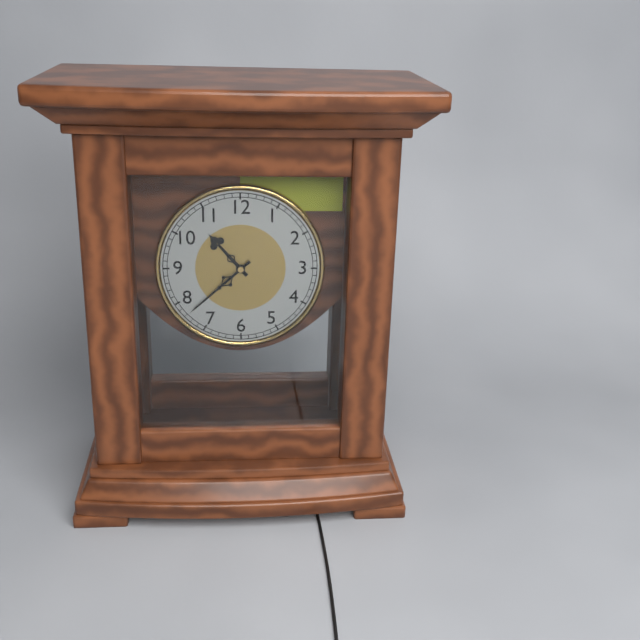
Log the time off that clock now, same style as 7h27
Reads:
10h38
